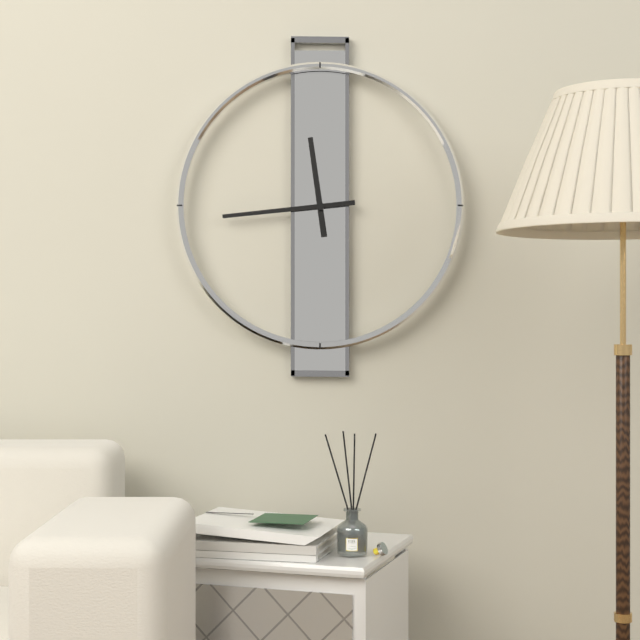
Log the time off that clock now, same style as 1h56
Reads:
11h44
